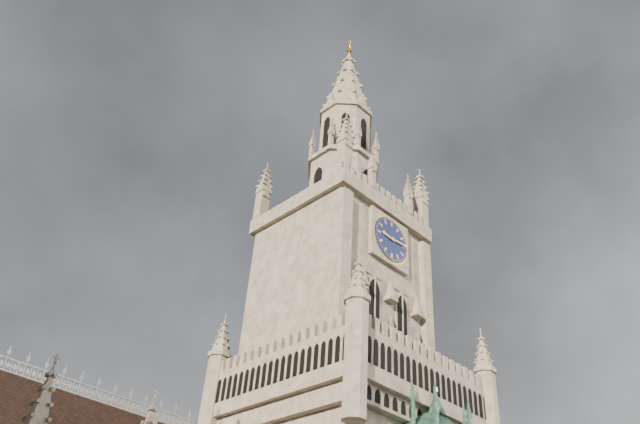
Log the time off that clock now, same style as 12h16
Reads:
9h14
